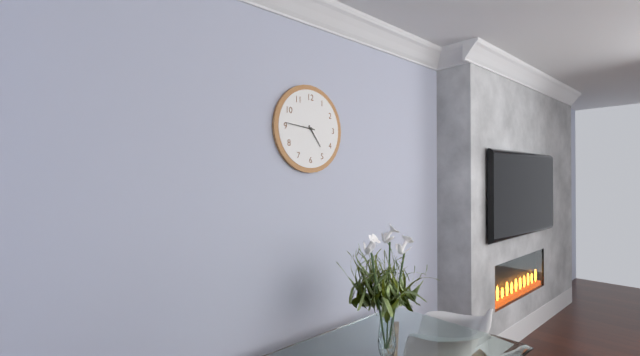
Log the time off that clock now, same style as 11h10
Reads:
4h46
